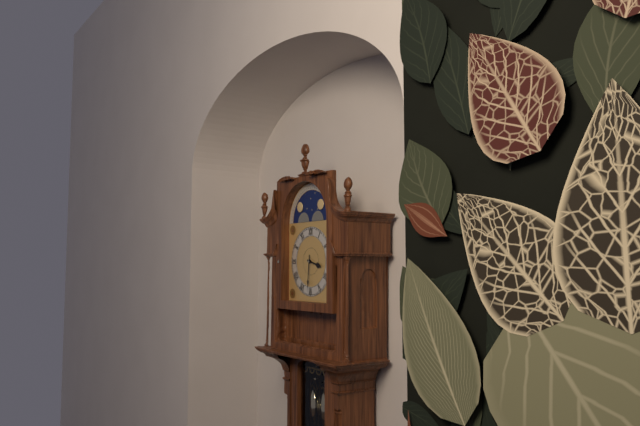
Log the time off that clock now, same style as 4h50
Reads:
3h31
